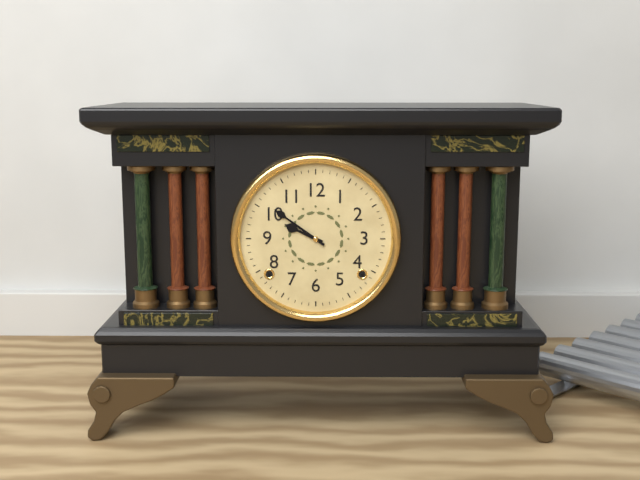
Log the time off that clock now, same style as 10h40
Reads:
9h51
